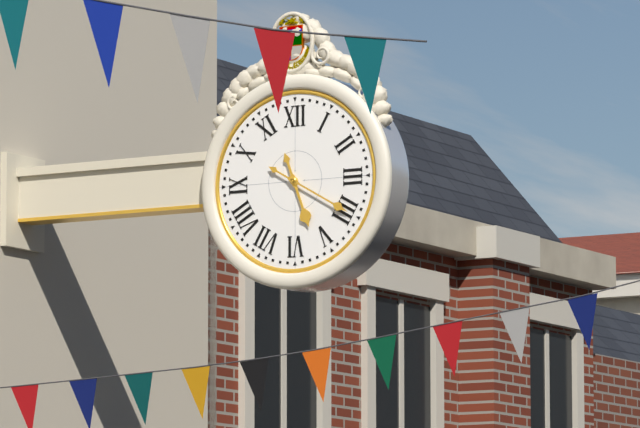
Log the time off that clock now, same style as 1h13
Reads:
5h20
